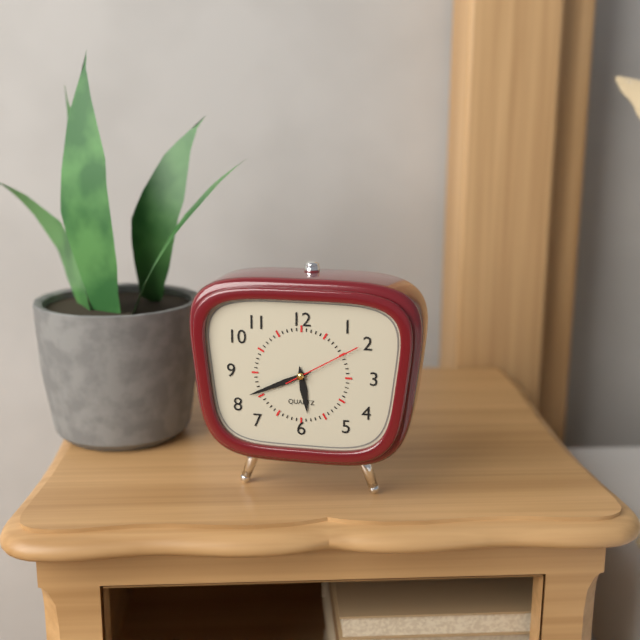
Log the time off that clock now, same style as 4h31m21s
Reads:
5h41m10s
